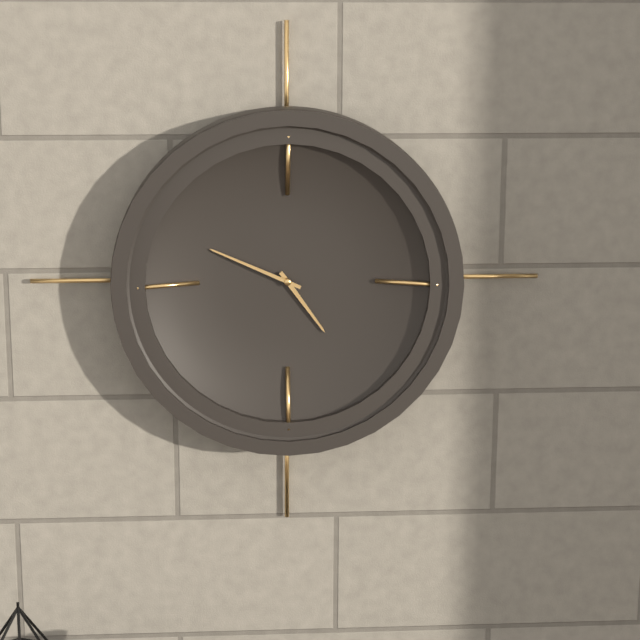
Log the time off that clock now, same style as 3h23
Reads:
4h49
